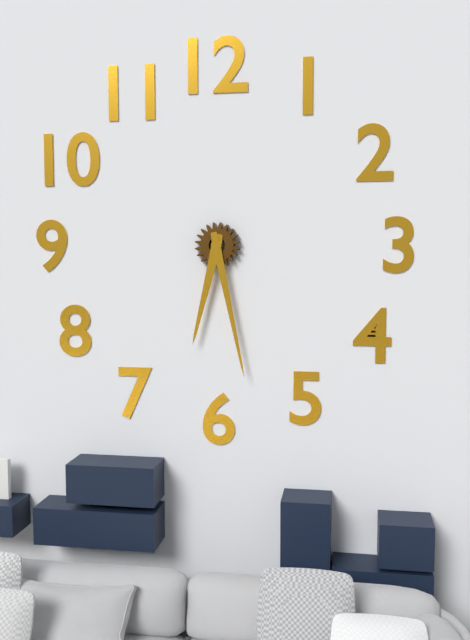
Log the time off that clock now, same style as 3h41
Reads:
6h28
